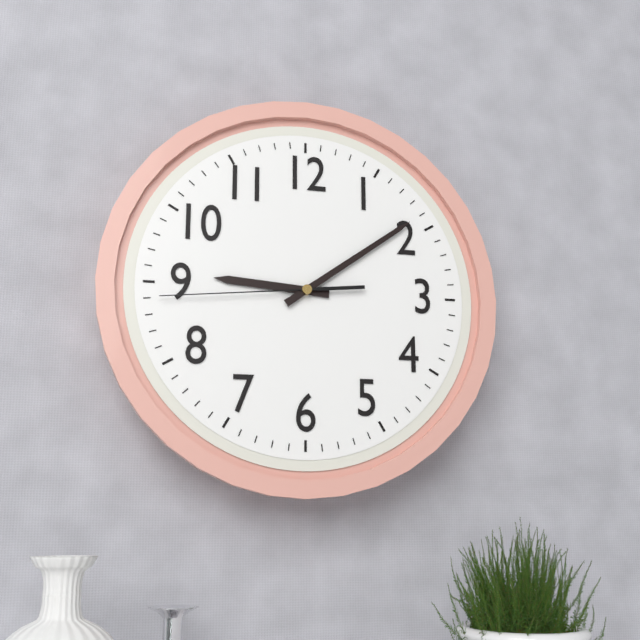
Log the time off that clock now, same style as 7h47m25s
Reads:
9h09m44s
